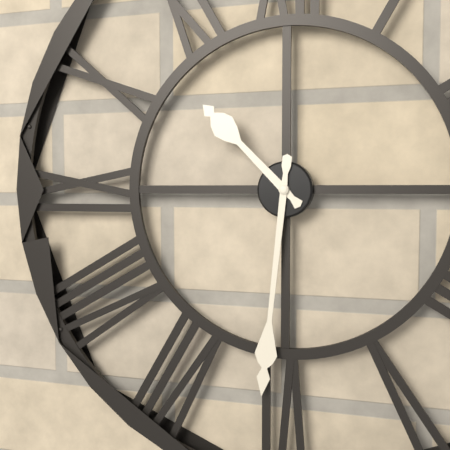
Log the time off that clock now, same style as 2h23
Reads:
10h31
